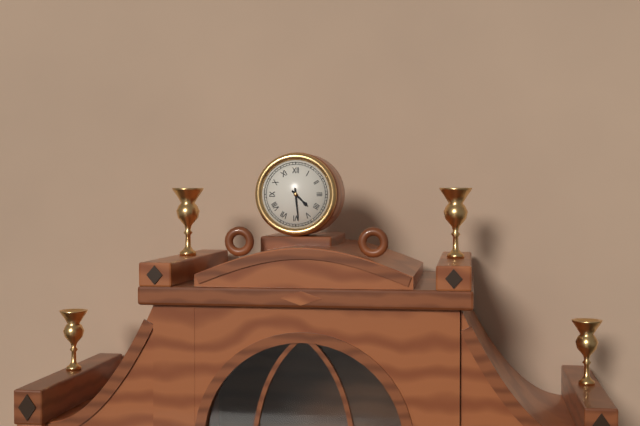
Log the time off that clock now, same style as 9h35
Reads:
4h29
